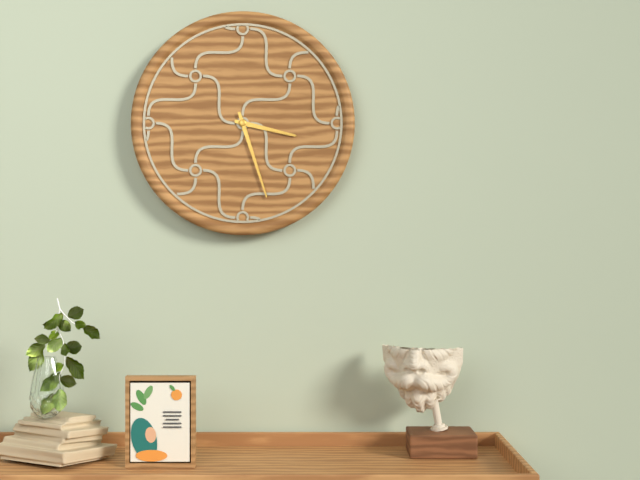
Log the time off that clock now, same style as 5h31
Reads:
3h27
